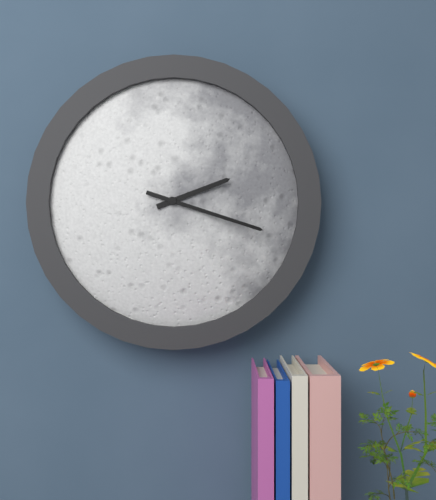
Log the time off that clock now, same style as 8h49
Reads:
2h18
